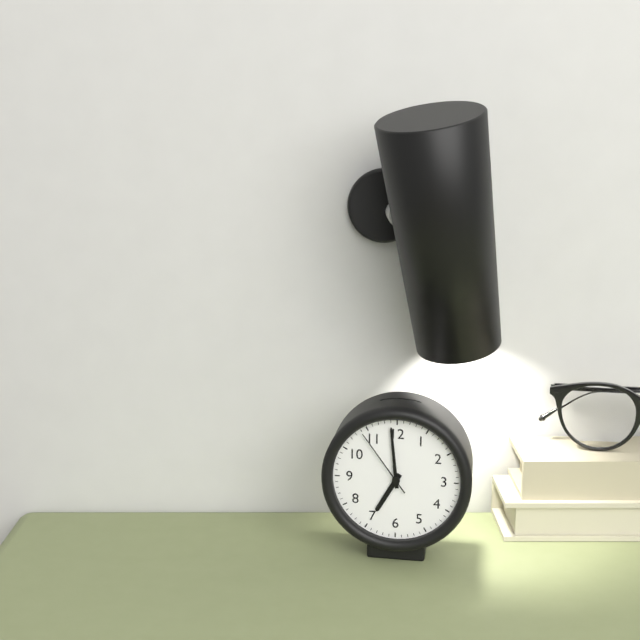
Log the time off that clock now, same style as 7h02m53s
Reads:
6h59m54s
